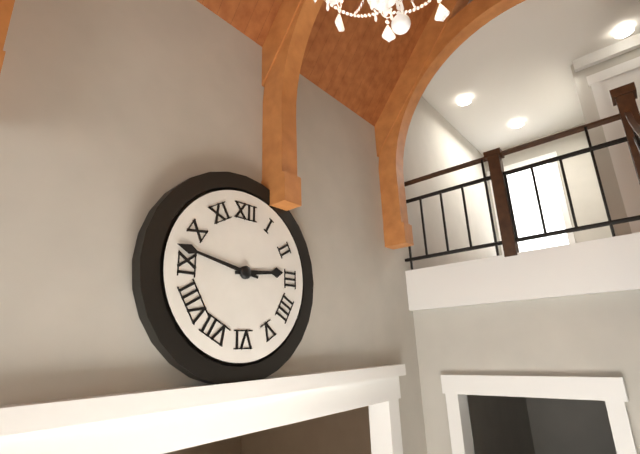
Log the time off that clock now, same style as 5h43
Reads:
2h47
